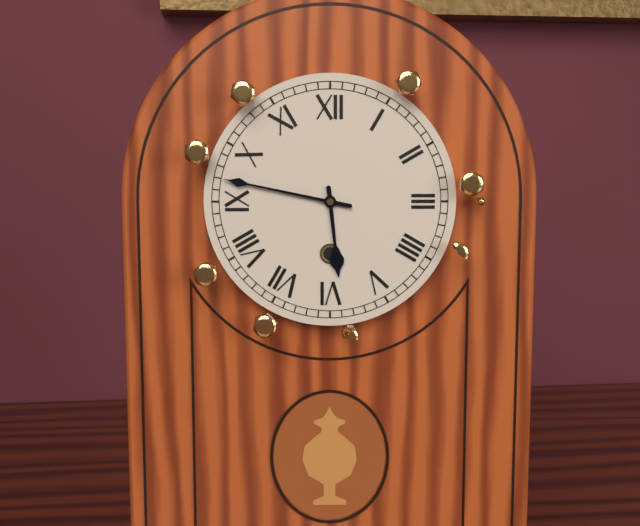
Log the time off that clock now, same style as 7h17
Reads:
5h47
